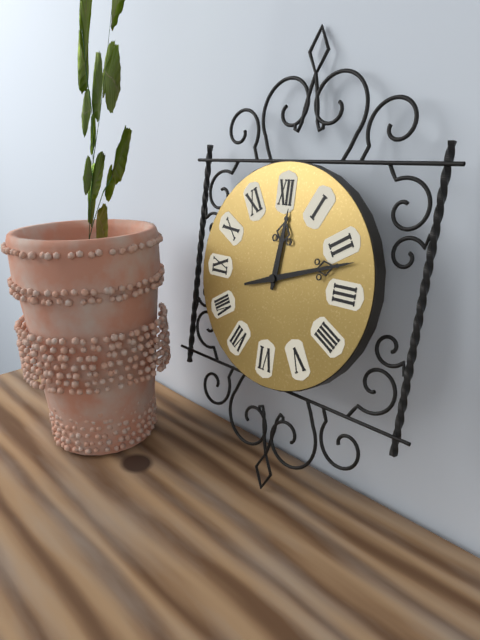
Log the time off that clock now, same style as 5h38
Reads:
12h12
